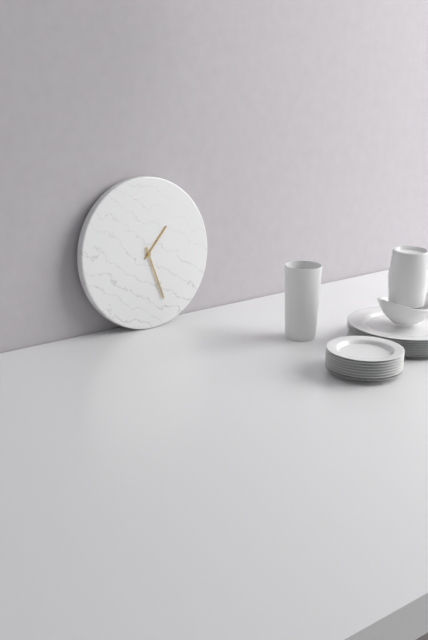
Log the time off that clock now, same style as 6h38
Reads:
1h27
